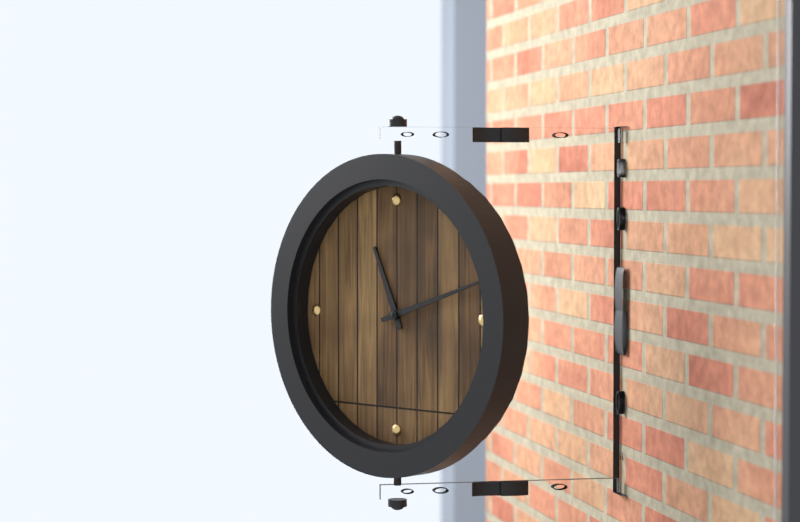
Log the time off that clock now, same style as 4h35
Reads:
11h12
